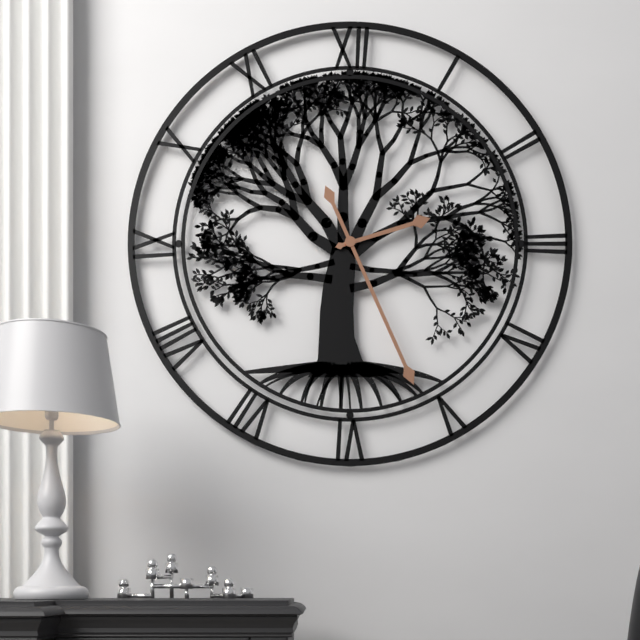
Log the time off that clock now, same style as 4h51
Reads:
2h26
